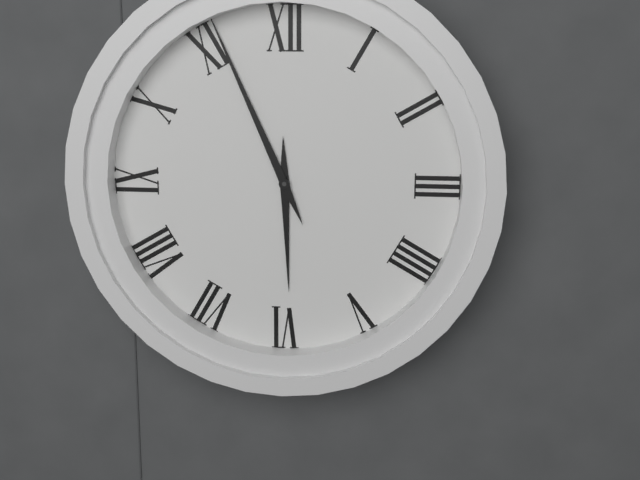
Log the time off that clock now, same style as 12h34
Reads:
5h56
